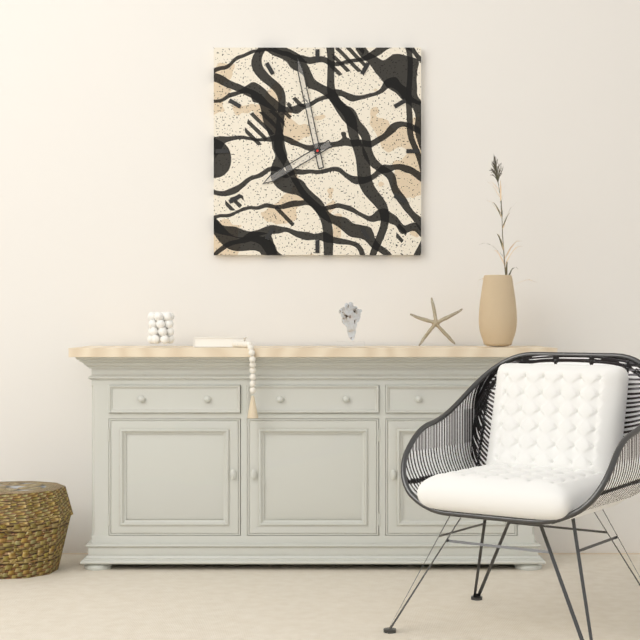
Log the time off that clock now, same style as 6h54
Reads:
7h58
